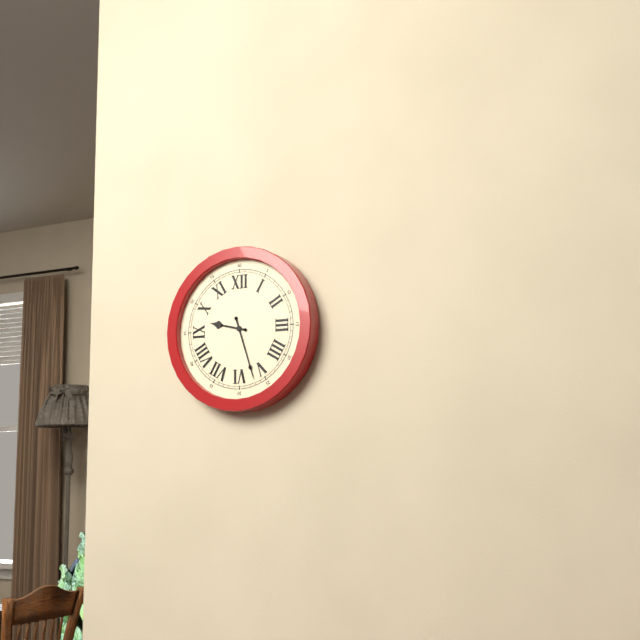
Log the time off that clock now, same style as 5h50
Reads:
9h27
